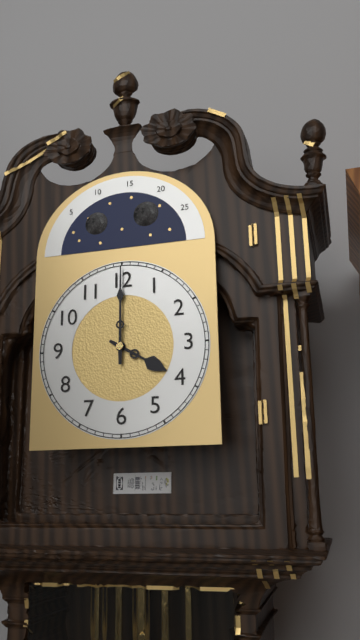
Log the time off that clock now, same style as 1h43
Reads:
4h00
